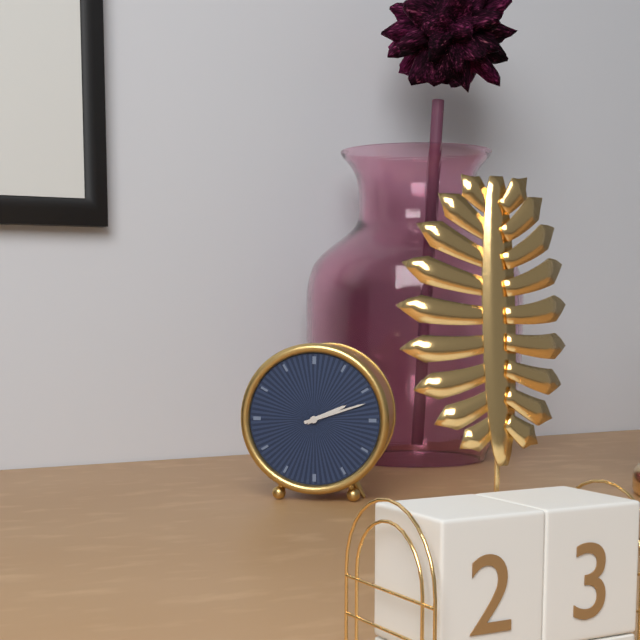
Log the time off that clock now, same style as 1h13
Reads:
2h12
